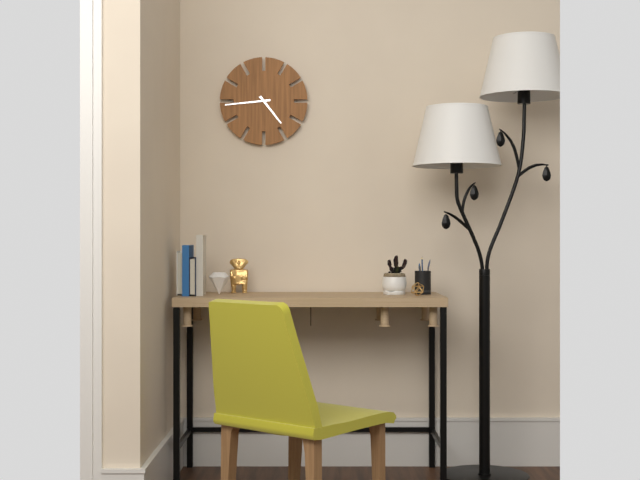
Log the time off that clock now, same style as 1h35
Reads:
4h44
